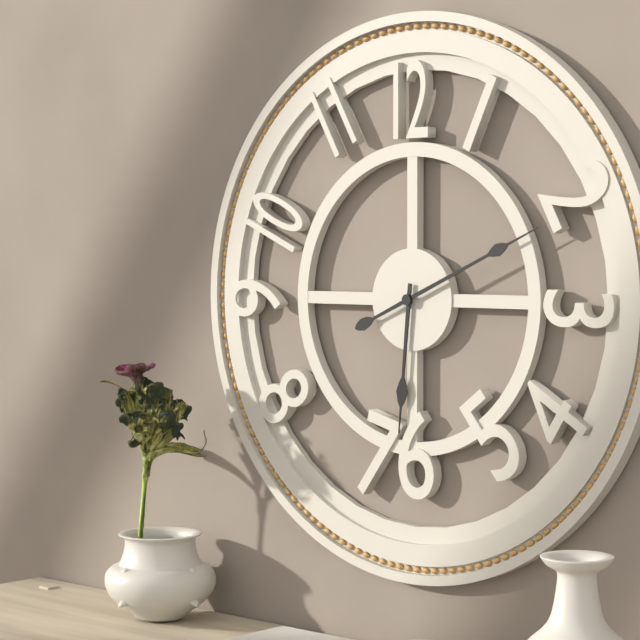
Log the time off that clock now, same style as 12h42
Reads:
6h11
